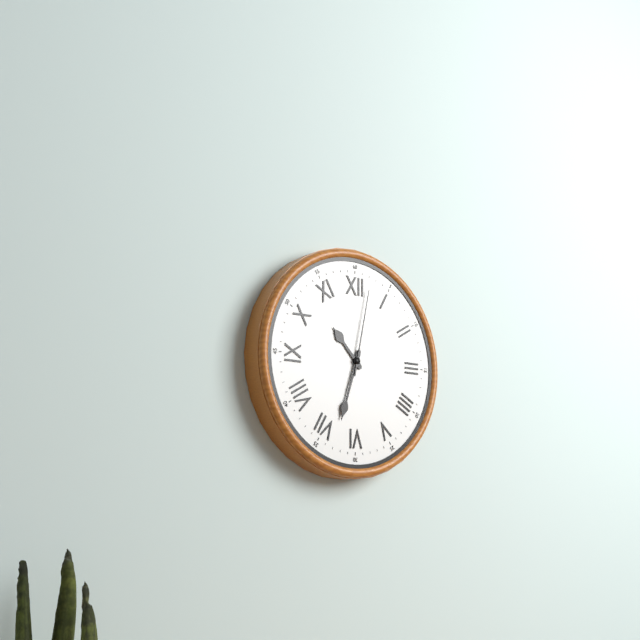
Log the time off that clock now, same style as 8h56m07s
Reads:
10h33m02s
